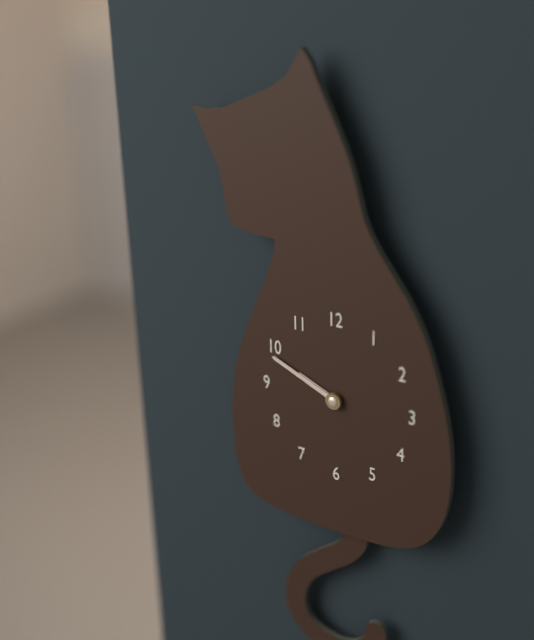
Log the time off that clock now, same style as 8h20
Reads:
9h49
